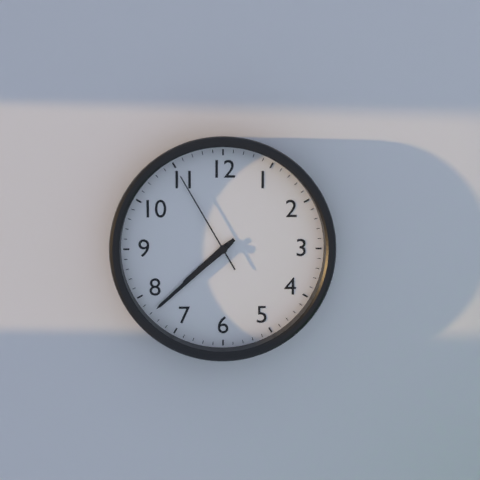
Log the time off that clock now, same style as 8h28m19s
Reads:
7h38m55s
